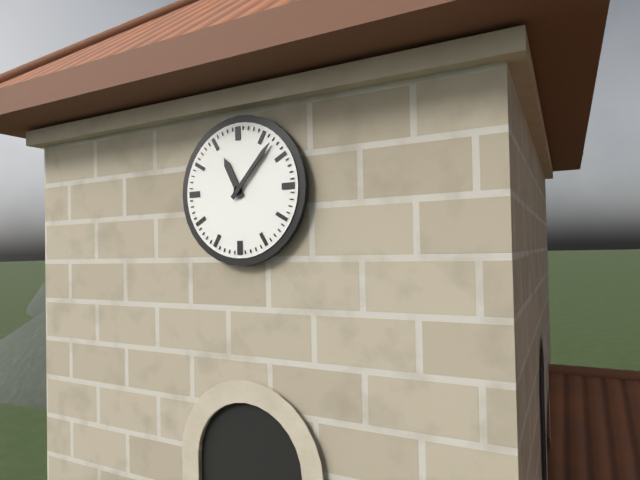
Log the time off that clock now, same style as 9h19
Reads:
11h07
